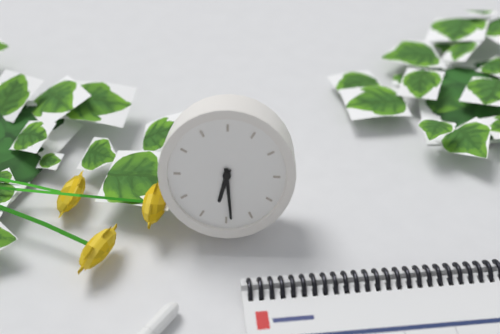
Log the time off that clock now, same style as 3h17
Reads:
6h29
